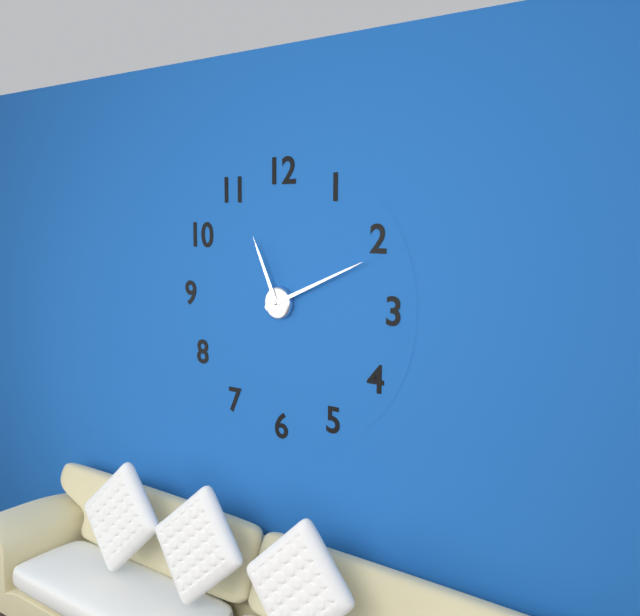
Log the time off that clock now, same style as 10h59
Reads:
11h11
